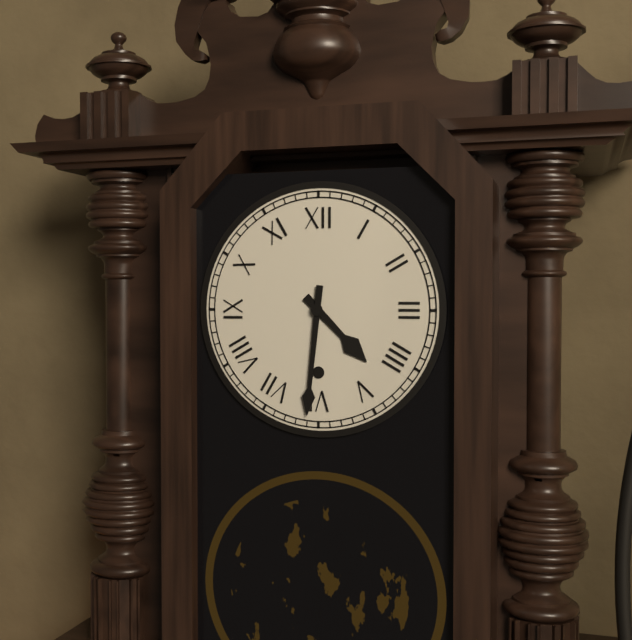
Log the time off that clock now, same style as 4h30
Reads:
4h31
